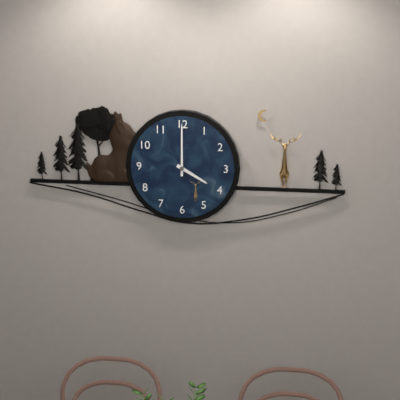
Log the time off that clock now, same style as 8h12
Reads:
4h00
